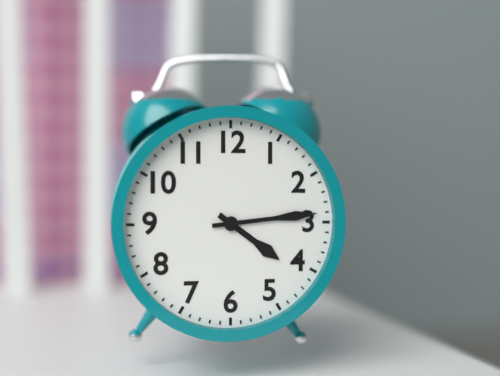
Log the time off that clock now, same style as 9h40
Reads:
4h14
